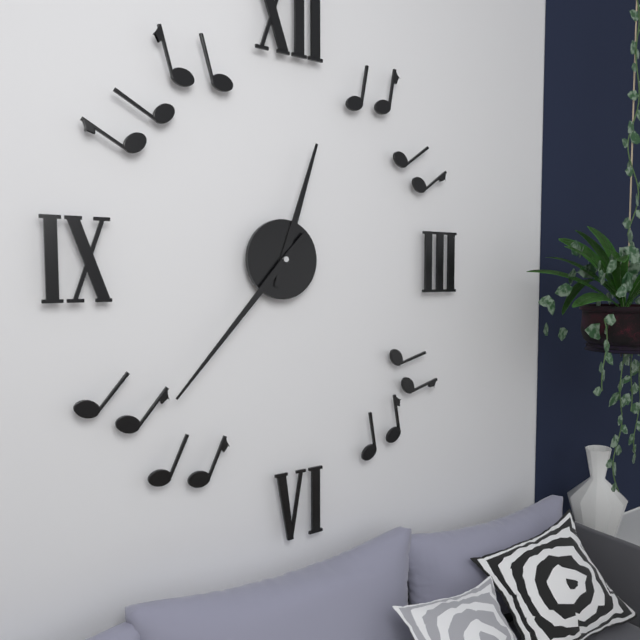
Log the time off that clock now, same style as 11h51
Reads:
12h37
